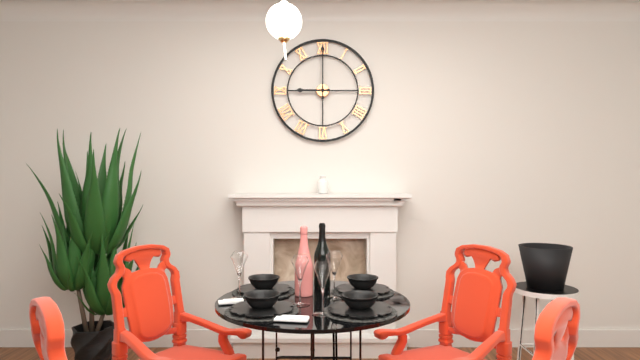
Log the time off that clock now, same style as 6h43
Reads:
9h00
